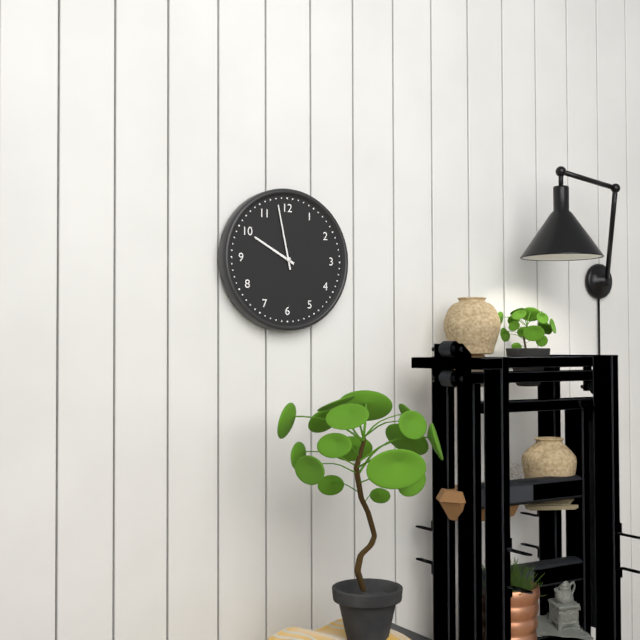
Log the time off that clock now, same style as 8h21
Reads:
9h58
